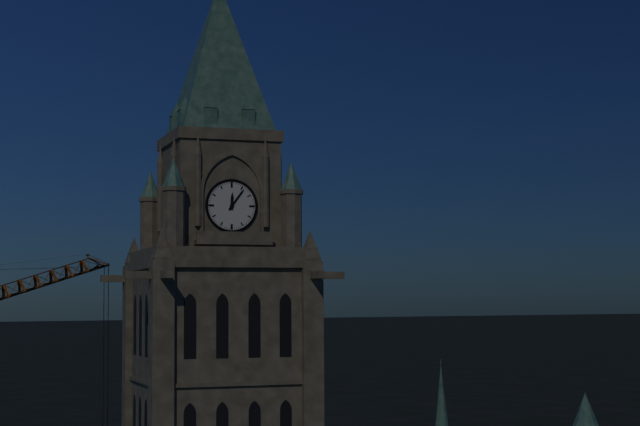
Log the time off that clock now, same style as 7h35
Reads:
12h06
